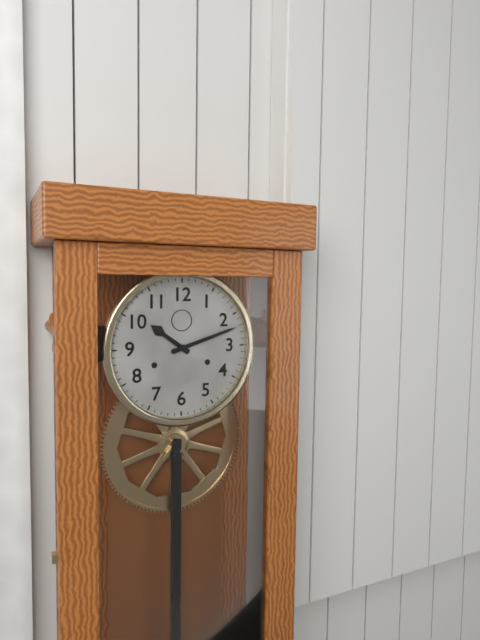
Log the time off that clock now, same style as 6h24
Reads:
10h12
